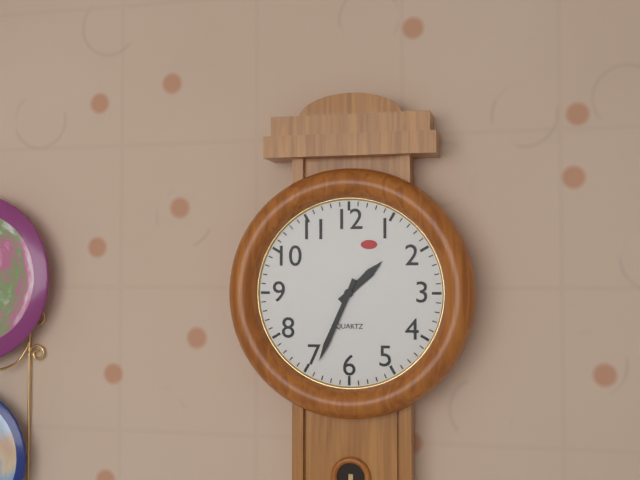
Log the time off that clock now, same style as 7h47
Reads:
1h34
